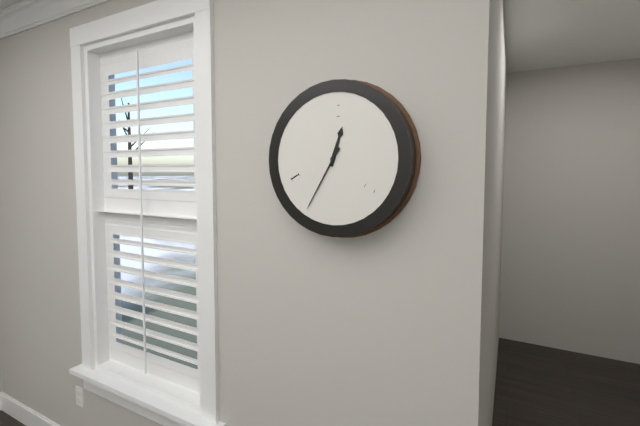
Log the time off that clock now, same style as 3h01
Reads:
12h35
